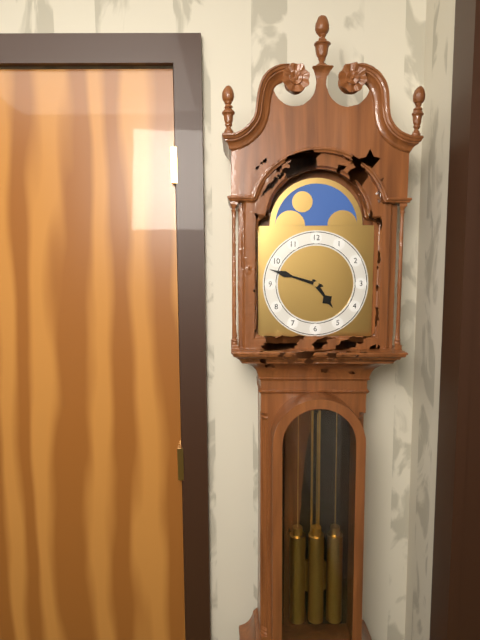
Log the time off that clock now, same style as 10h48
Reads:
4h48
